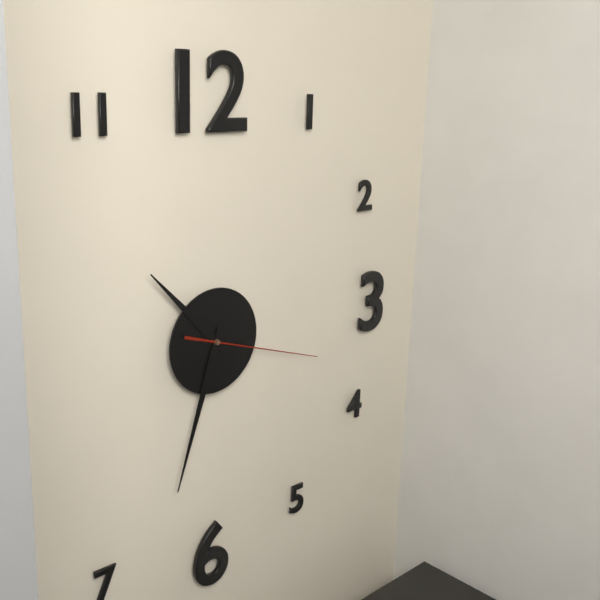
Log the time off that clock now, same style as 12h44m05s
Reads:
10h33m18s
